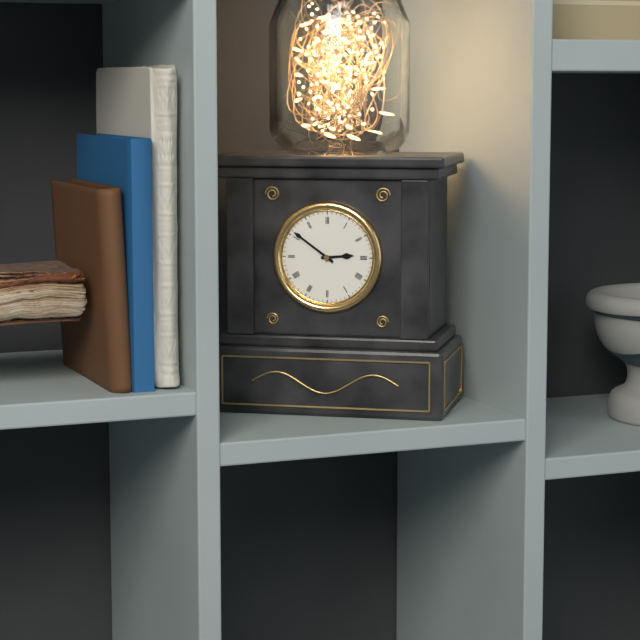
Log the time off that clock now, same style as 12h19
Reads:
2h51
